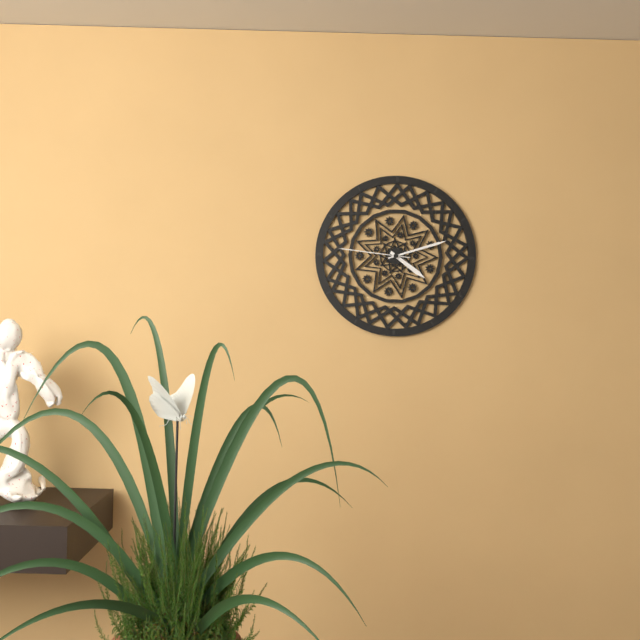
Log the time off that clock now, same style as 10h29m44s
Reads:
4h12m46s
